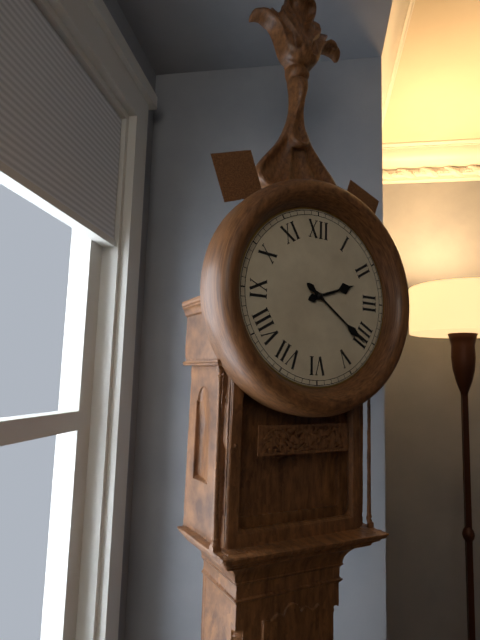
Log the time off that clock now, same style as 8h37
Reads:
2h21
